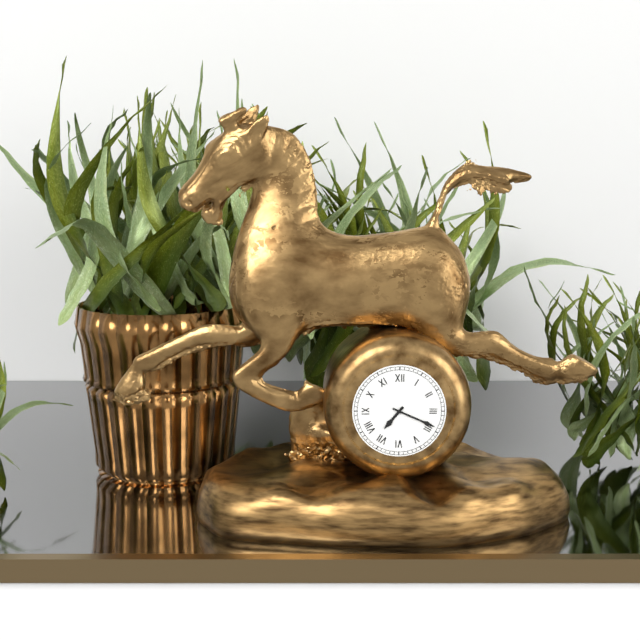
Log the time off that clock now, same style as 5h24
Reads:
7h19
